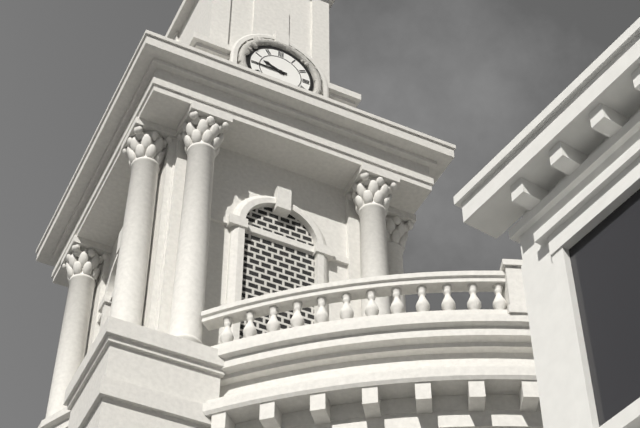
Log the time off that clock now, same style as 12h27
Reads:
9h45
